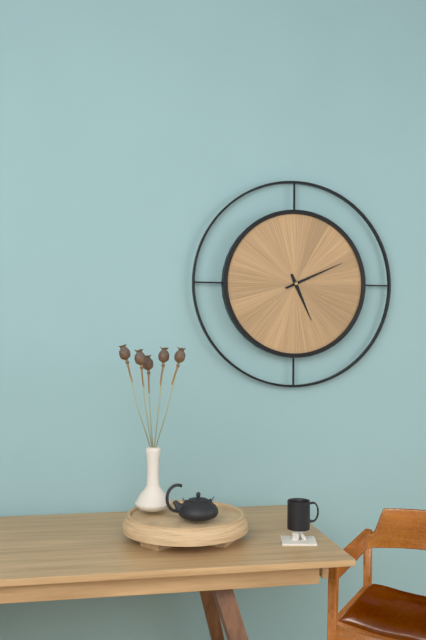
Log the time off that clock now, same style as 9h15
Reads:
5h11
